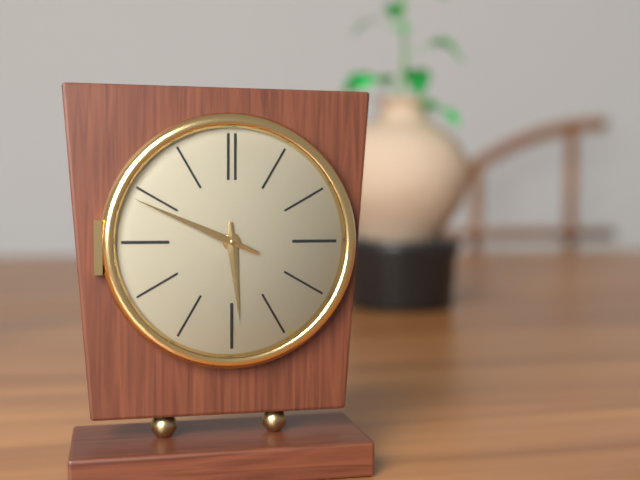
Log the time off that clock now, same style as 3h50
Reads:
5h49
